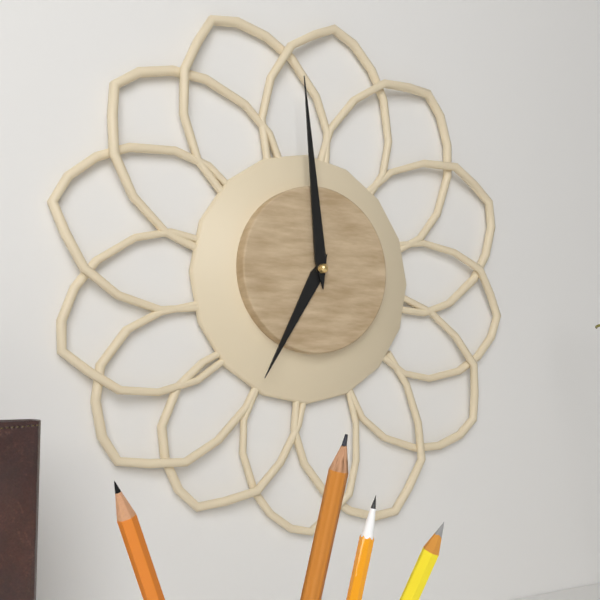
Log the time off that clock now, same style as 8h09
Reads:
6h59
